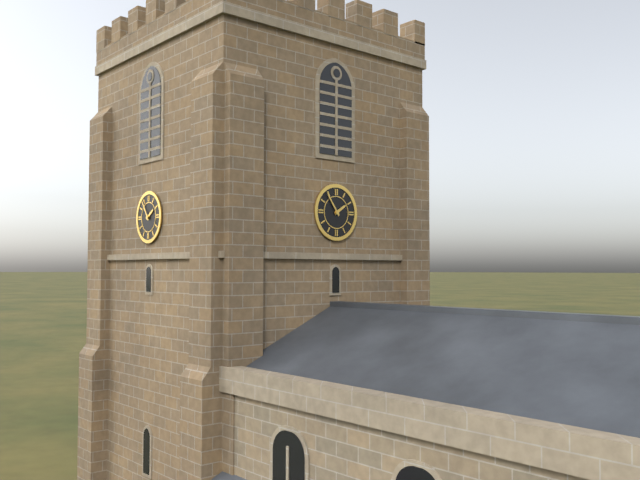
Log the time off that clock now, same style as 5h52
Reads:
1h54
